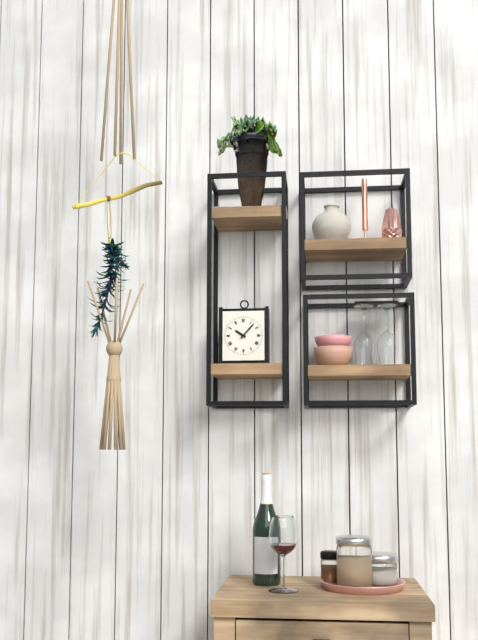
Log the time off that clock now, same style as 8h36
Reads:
10h07
